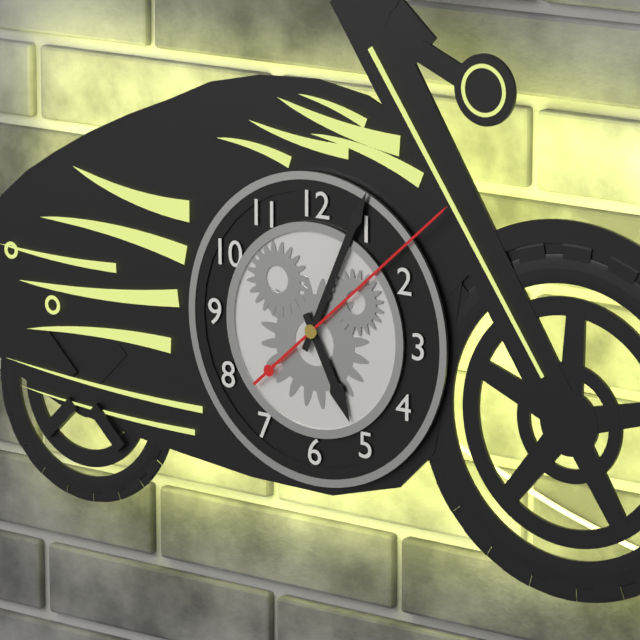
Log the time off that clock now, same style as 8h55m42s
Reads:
5h04m08s
